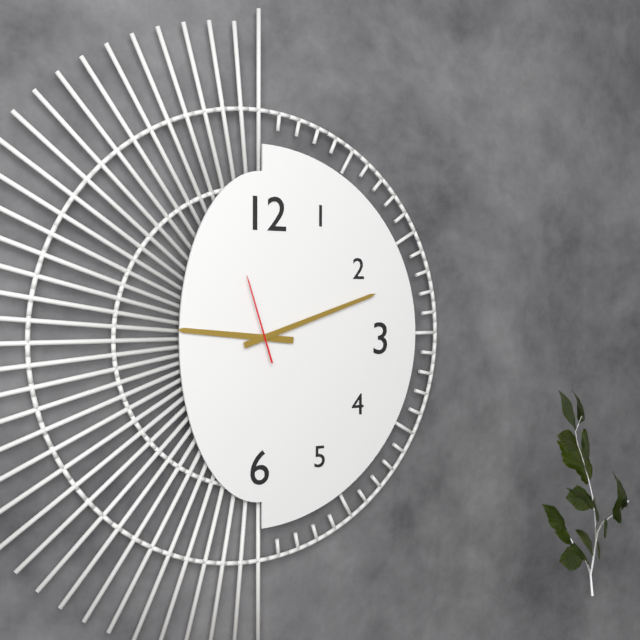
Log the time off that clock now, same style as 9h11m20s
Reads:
9h12m57s
